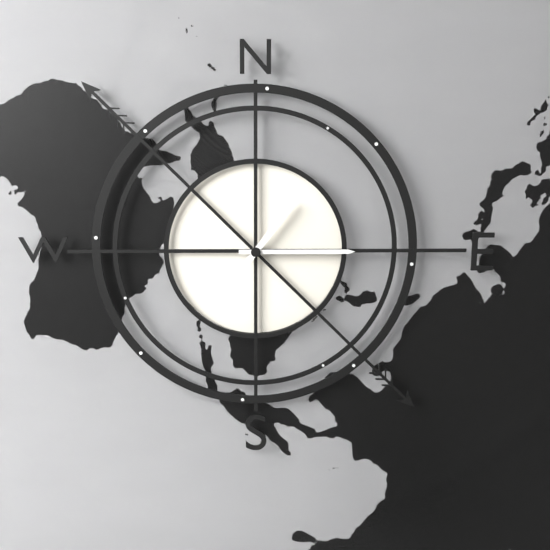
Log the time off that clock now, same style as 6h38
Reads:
1h15
